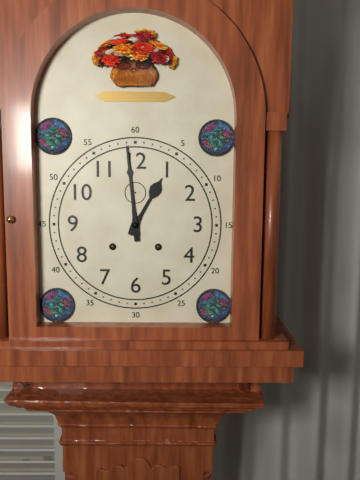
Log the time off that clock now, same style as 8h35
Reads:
12h59
